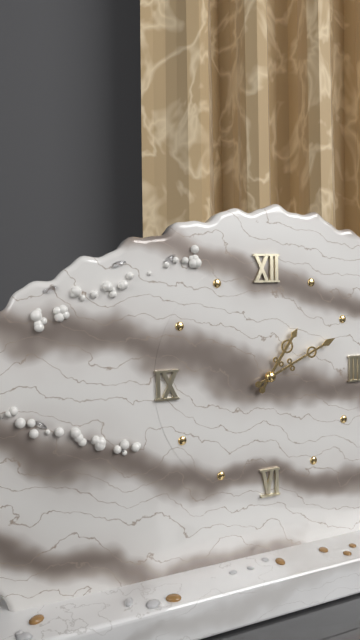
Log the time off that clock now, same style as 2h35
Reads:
1h11
